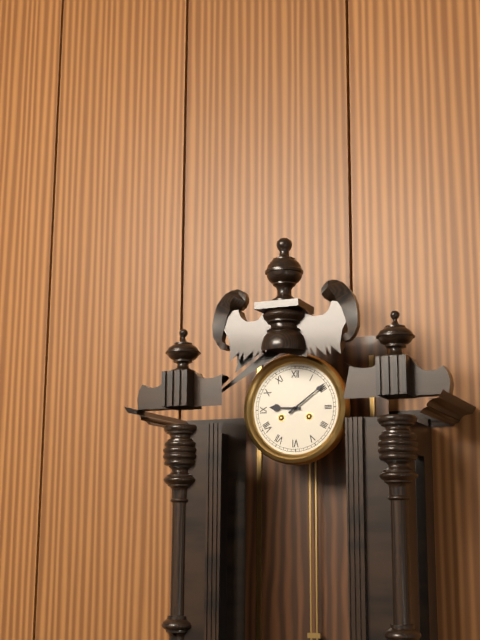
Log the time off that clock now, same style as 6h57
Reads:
9h09
